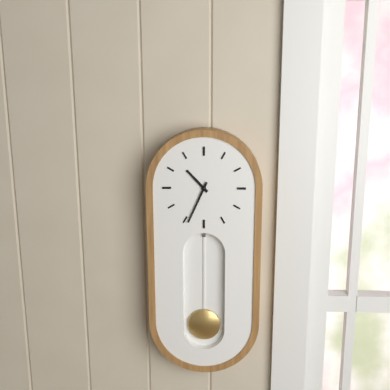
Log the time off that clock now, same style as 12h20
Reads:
10h34
